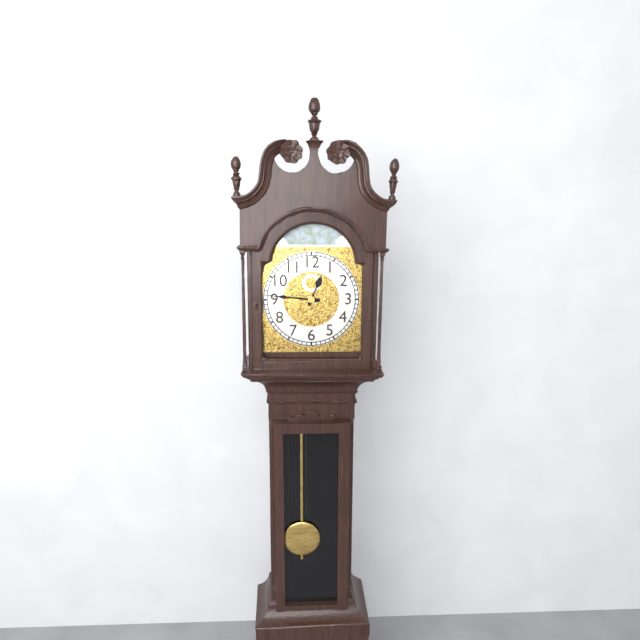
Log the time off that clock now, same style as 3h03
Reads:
12h46
